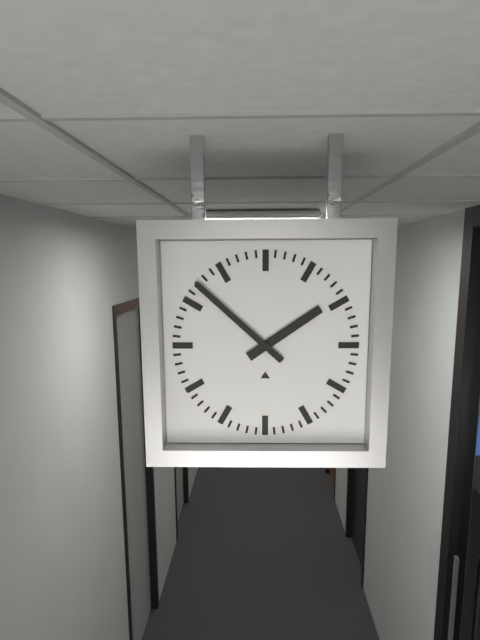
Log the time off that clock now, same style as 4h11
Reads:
1h52
